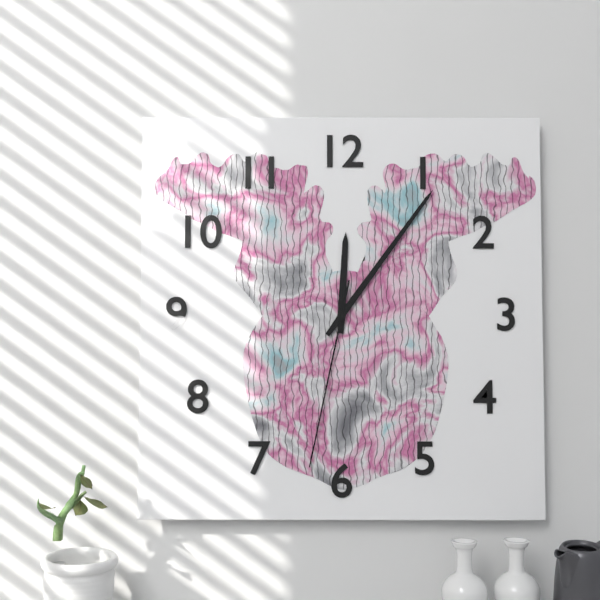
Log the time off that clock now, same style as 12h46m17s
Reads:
12h06m32s
